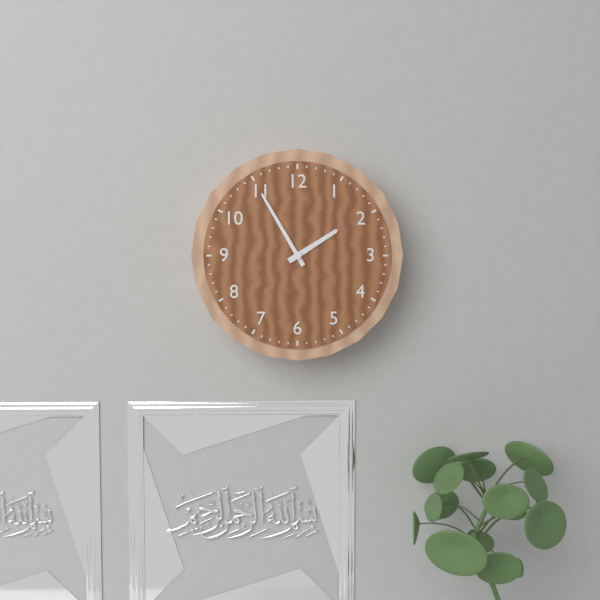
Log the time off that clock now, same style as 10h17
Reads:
1h55
